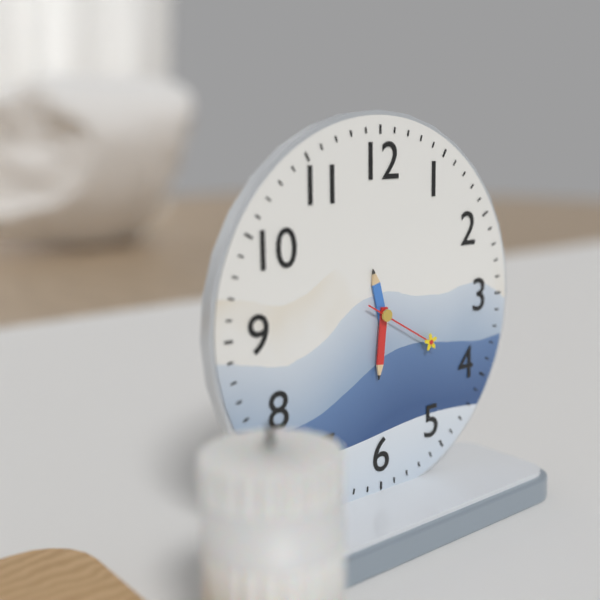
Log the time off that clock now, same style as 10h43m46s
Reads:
11h31m20s
